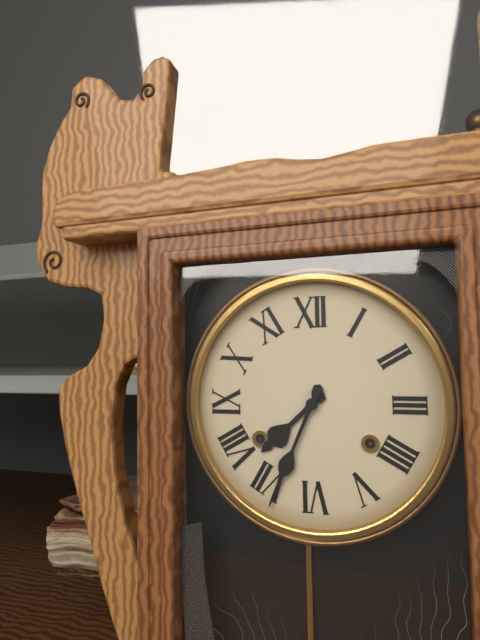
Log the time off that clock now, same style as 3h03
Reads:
7h34
